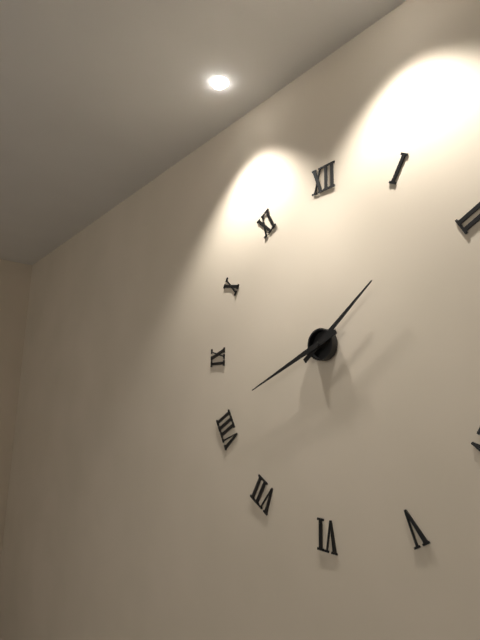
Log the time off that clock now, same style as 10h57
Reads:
1h41
